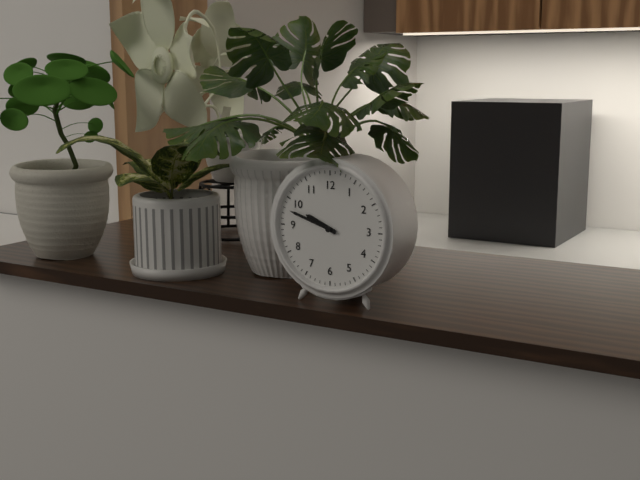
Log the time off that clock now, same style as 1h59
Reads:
9h48
